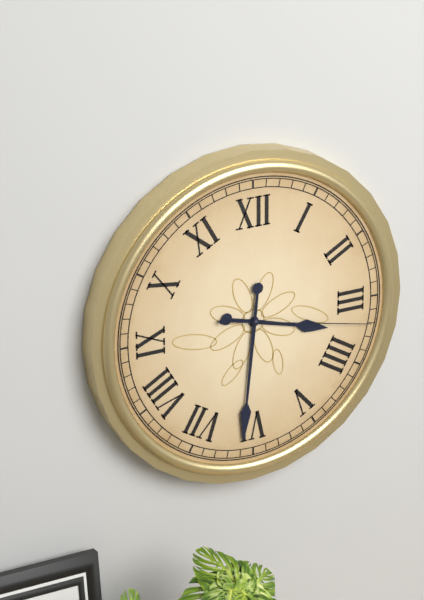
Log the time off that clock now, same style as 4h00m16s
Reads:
3h31m17s
